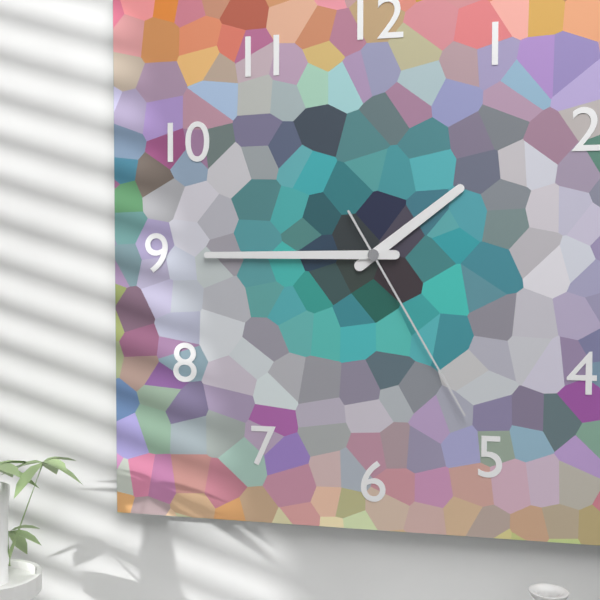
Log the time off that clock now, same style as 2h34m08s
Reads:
1h45m25s
